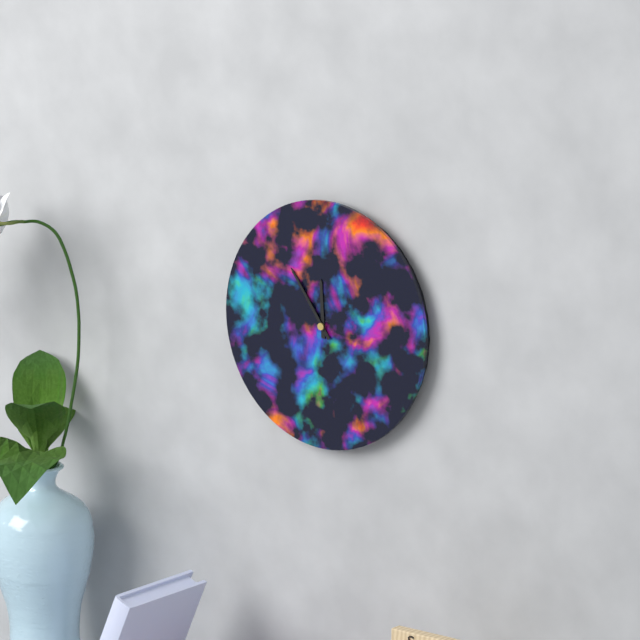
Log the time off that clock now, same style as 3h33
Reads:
11h54
